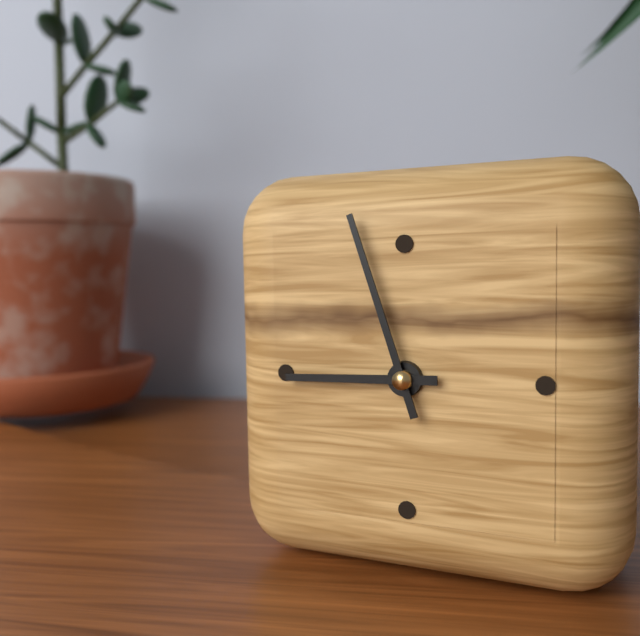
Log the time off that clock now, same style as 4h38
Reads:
8h57
